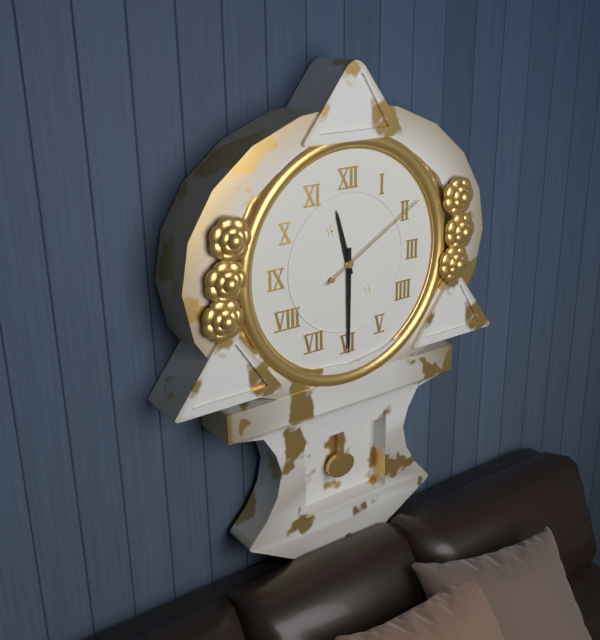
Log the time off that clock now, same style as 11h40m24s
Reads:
11h30m10s
